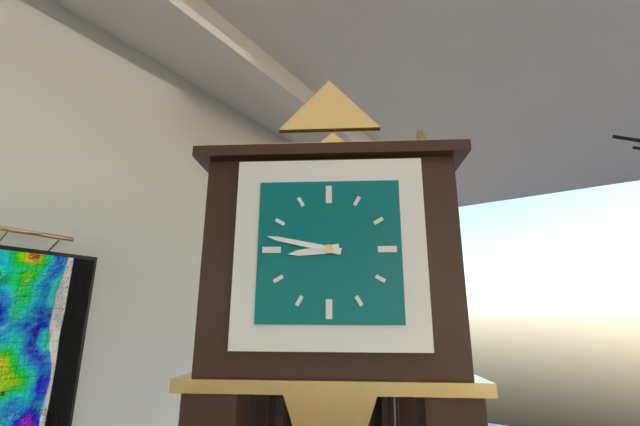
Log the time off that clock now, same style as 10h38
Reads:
8h47
